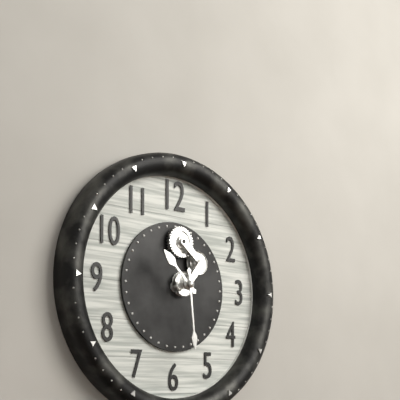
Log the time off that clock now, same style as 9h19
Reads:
10h29
